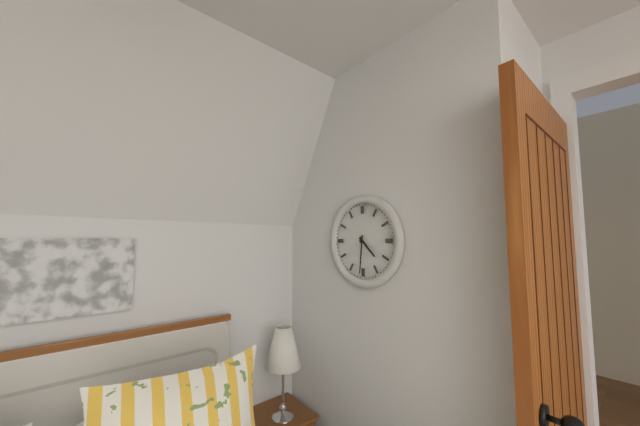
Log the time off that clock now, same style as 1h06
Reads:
4h31
